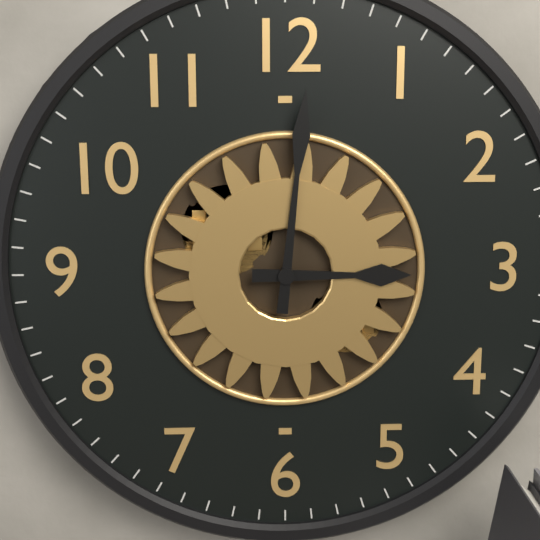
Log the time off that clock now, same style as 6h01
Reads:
3h01
